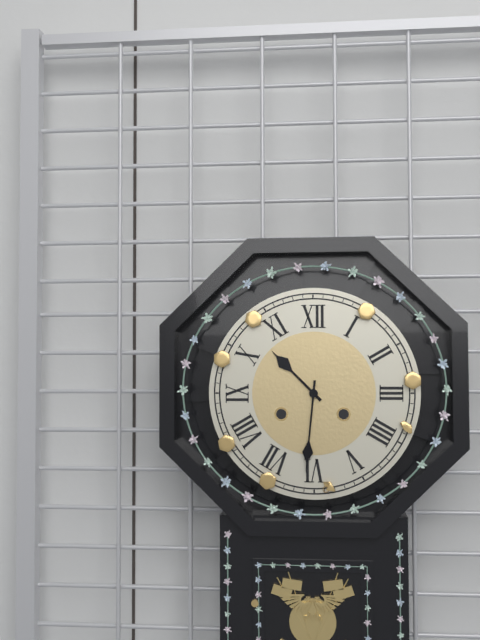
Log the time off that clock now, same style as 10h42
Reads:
10h31
